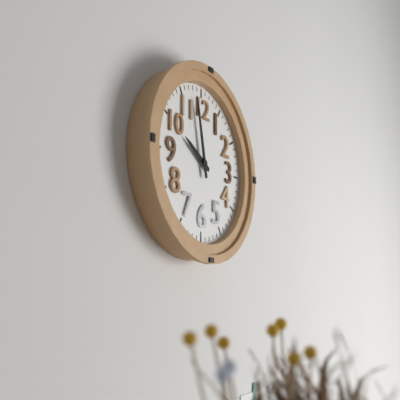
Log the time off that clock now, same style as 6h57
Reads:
9h58
